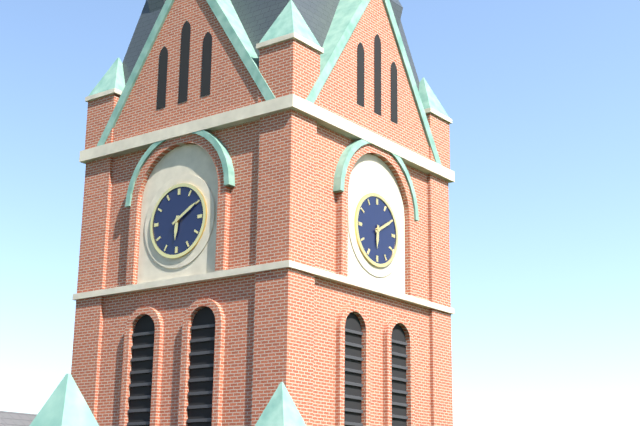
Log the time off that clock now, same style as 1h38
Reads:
6h10
